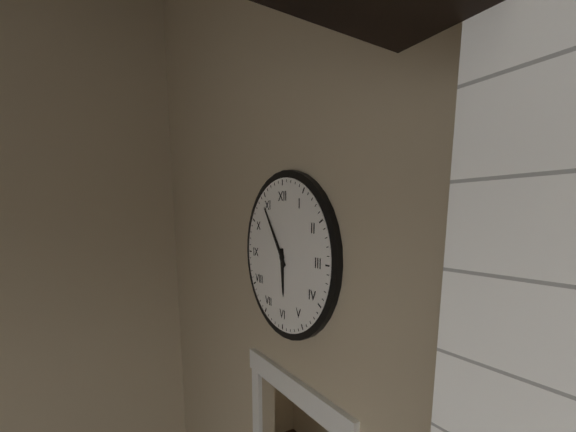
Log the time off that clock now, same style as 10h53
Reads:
5h54
